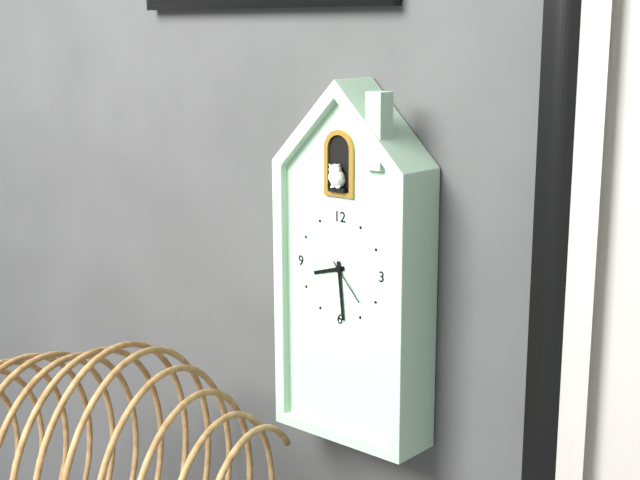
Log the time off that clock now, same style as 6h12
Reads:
8h29
